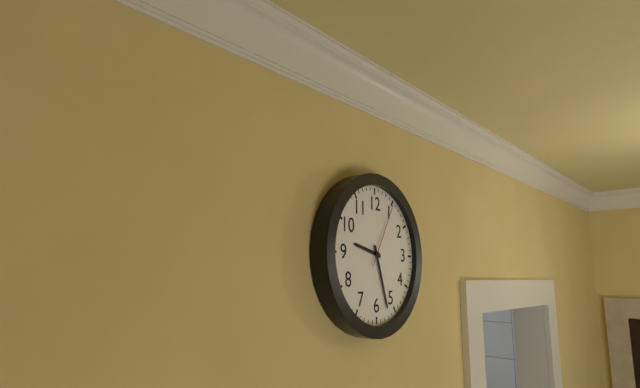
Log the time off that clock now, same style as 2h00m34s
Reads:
9h27m05s
